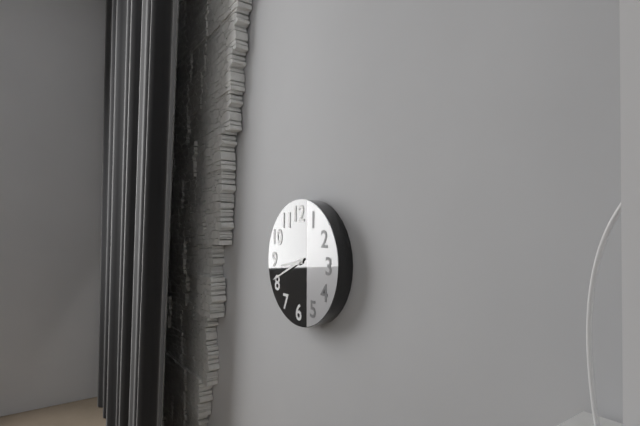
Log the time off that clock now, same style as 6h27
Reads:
8h41
